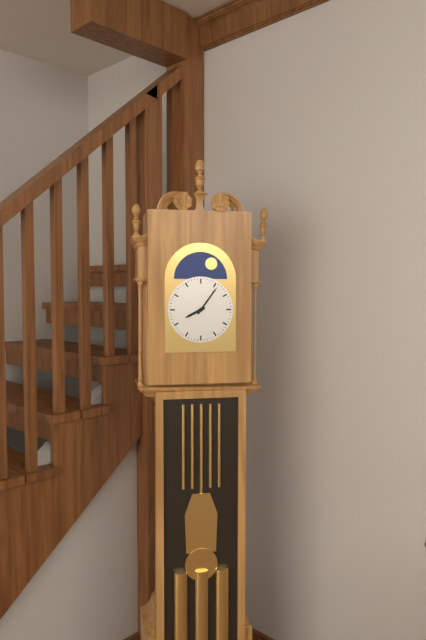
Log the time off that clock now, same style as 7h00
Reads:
8h06
